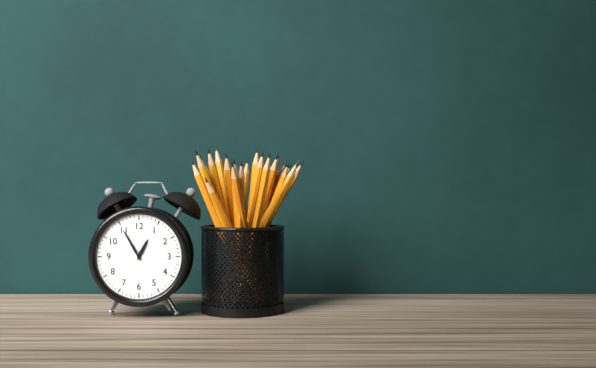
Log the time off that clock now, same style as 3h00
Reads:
12h55
